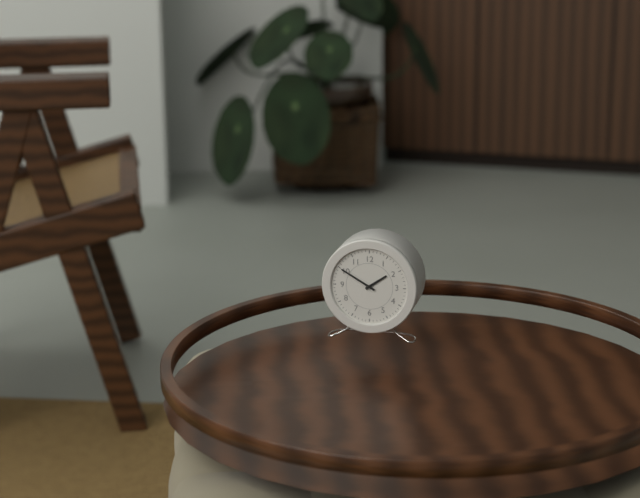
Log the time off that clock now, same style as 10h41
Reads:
1h50
